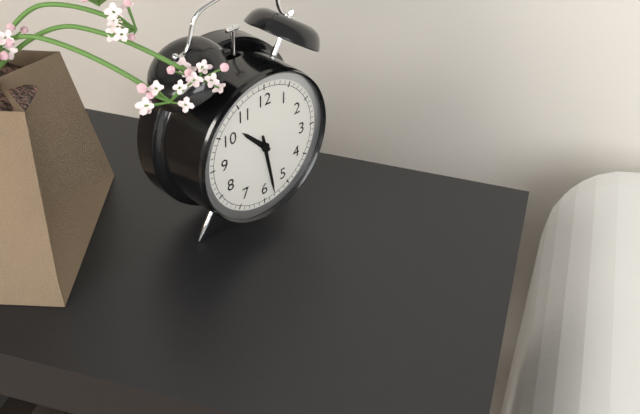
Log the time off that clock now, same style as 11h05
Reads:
10h28
